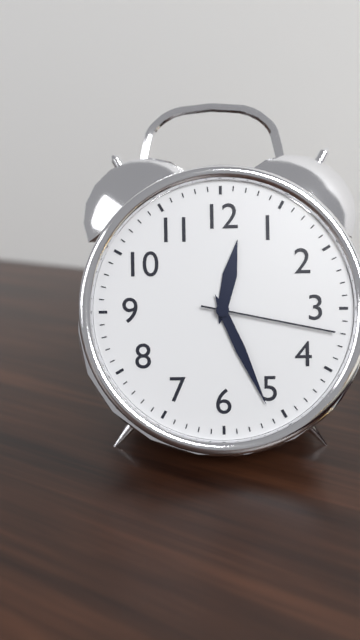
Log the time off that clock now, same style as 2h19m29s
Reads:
12h26m17s
